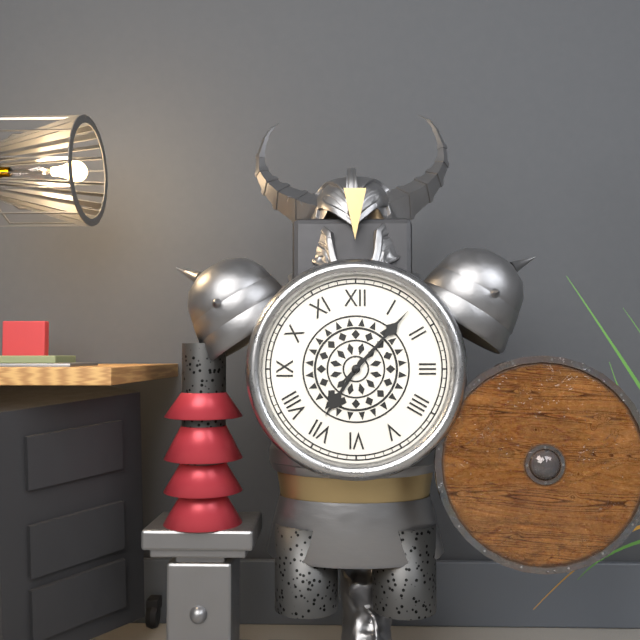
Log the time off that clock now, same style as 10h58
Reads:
7h07
